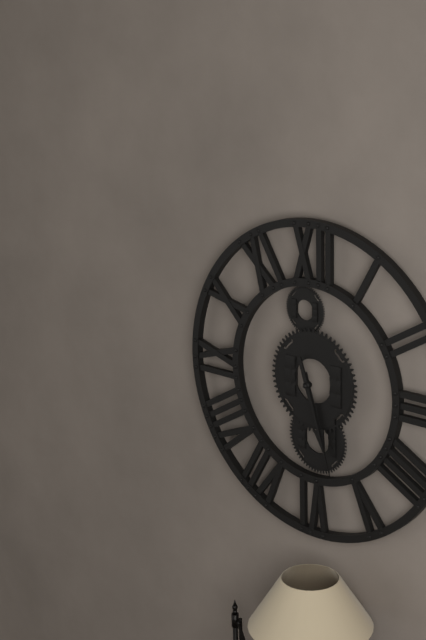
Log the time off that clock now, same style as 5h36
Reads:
5h27
